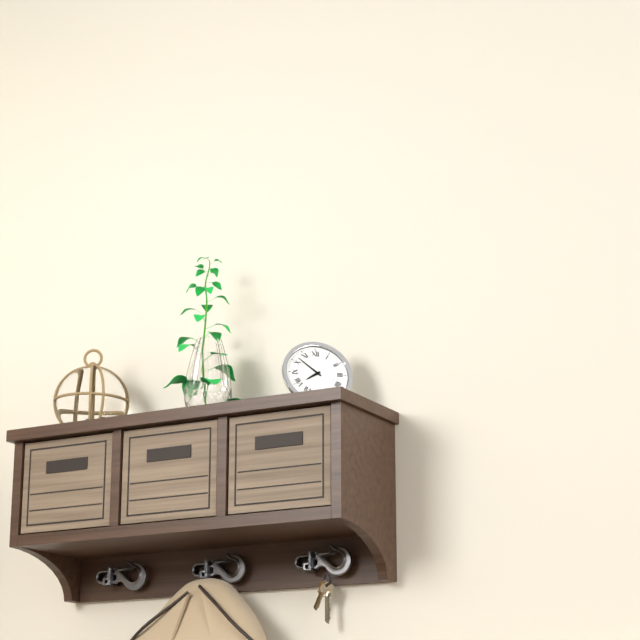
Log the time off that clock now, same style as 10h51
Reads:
7h52
